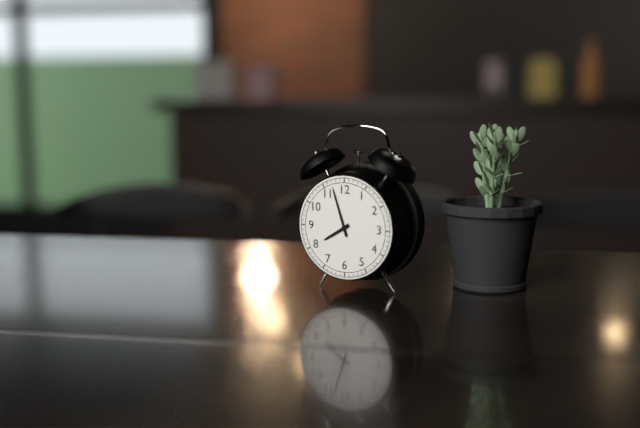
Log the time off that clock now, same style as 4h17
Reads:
7h57
